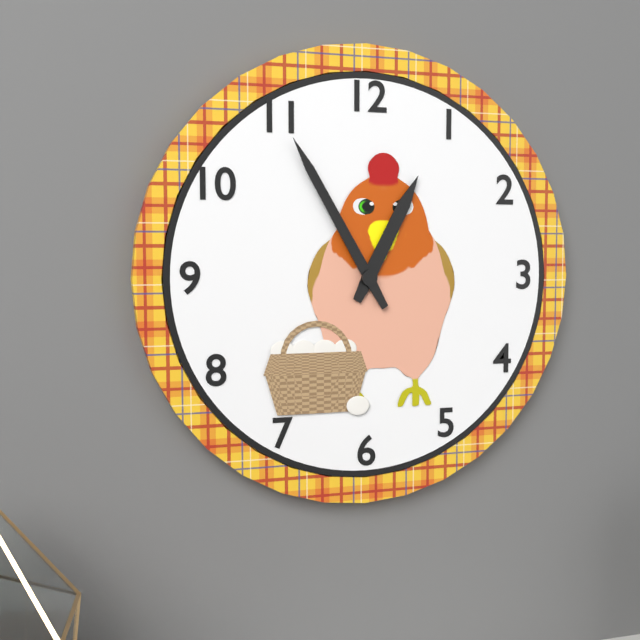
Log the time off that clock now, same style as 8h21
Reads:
12h55
